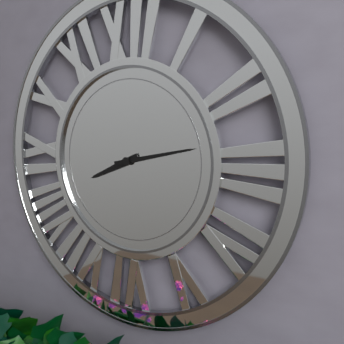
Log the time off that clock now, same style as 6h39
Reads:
8h13
